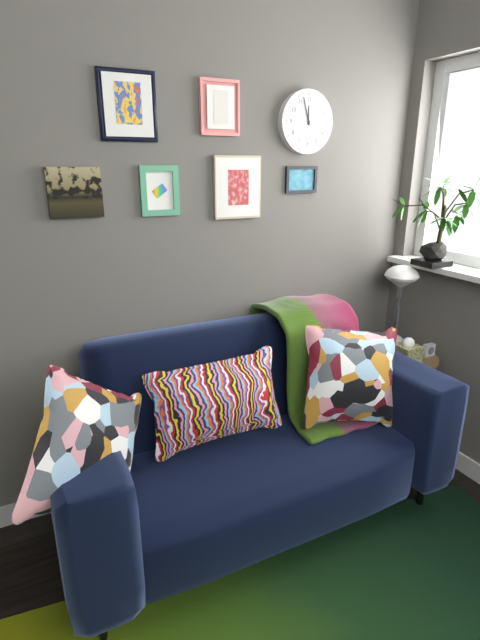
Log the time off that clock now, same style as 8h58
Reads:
11h57
